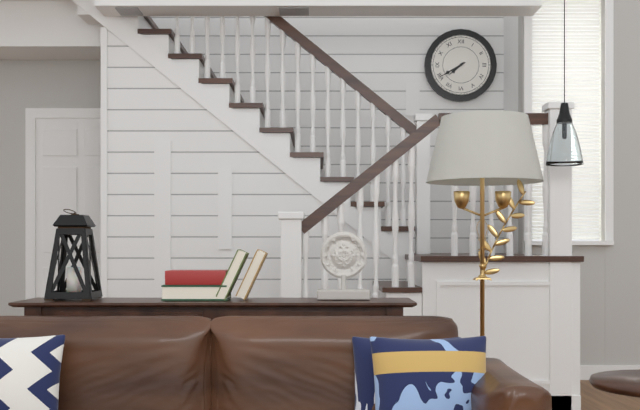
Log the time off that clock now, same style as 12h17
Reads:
7h40
